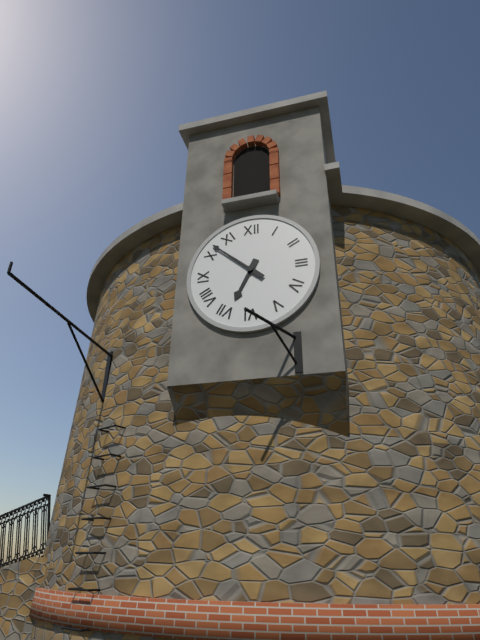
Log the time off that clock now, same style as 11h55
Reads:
6h52
